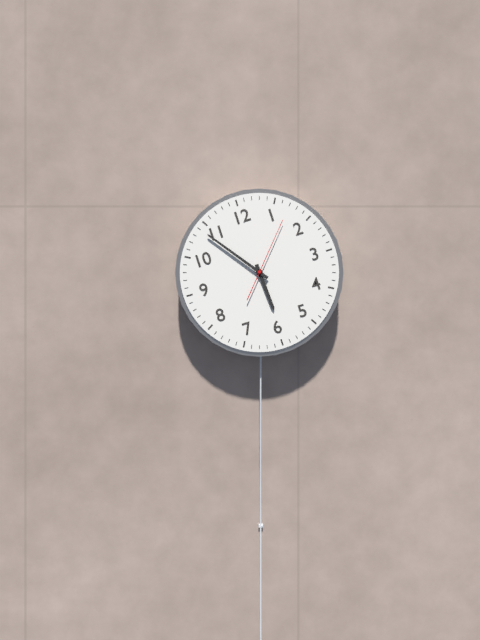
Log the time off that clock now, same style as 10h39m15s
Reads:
5h54m07s
